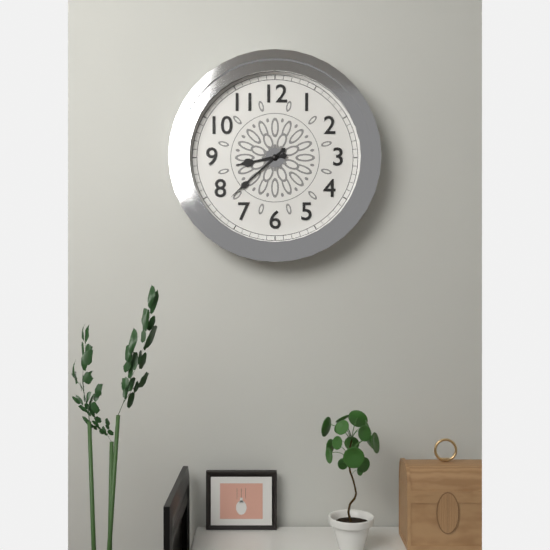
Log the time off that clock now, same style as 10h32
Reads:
8h38
